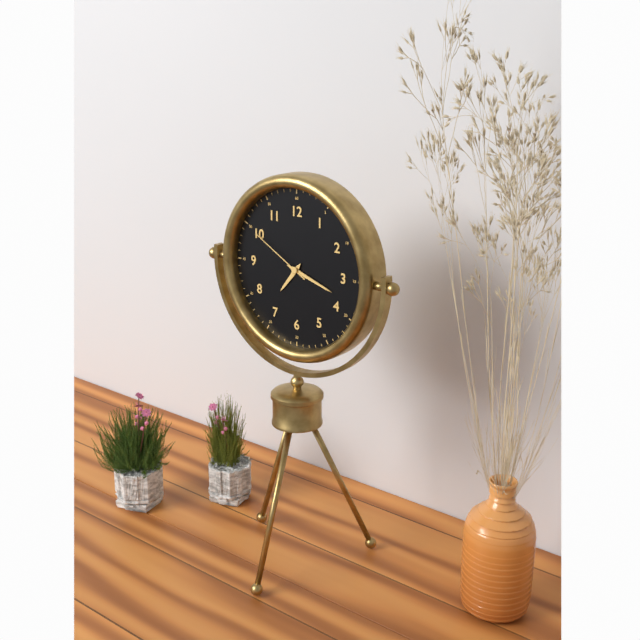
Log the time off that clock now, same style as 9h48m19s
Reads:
7h18m50s
